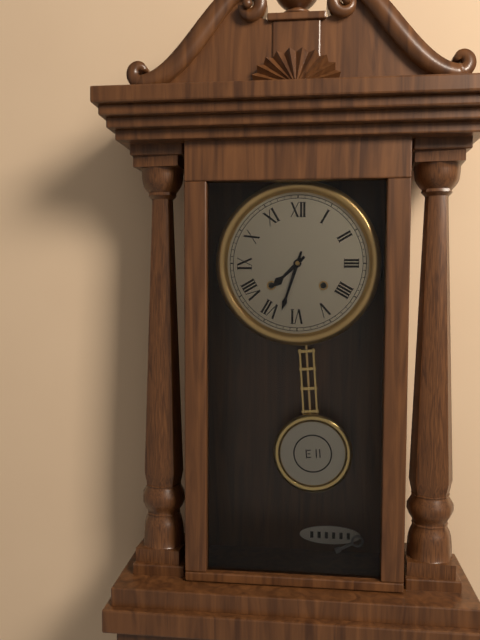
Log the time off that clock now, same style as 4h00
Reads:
7h33
